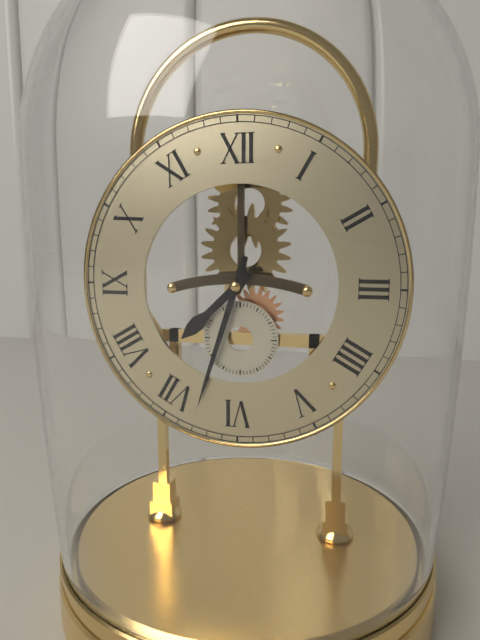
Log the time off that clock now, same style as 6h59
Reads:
7h33
